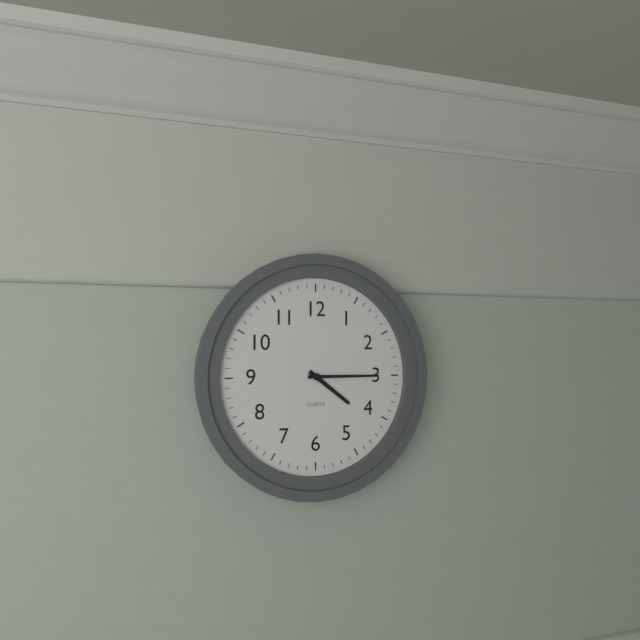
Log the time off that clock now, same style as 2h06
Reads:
4h15
